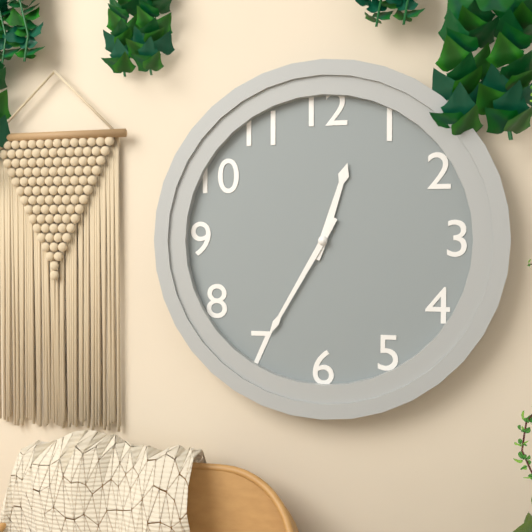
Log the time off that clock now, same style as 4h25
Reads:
12h35
